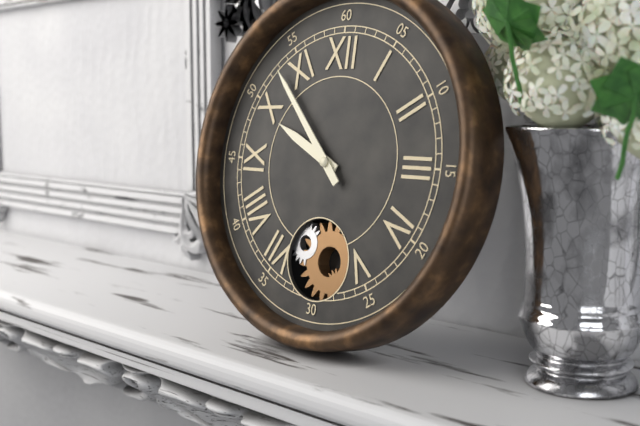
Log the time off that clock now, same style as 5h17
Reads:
9h53
